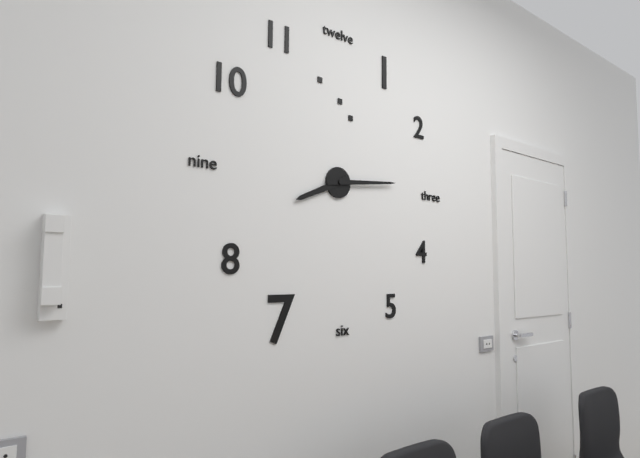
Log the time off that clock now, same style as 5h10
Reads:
8h14
